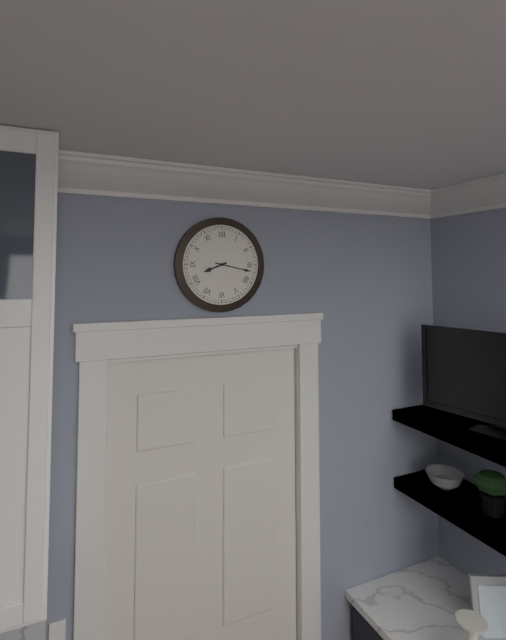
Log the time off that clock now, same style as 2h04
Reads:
8h17
